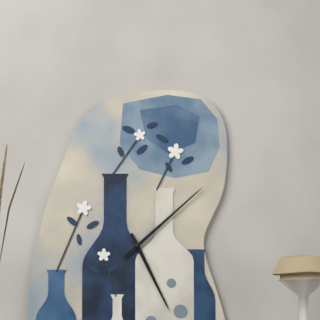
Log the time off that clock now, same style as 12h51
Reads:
5h08
